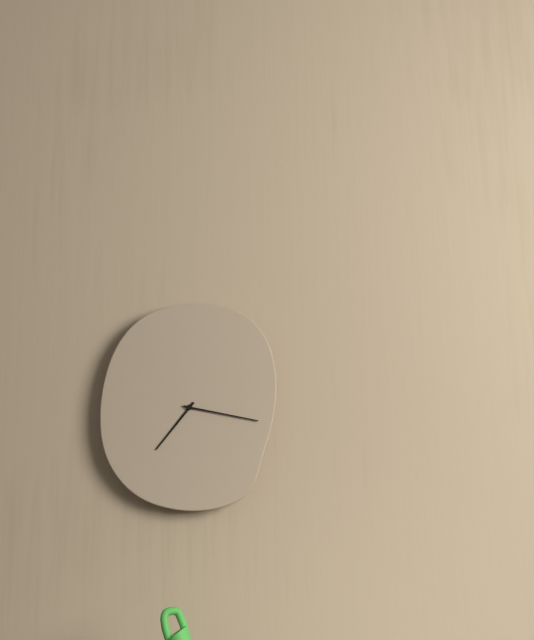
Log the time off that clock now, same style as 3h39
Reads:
7h17
